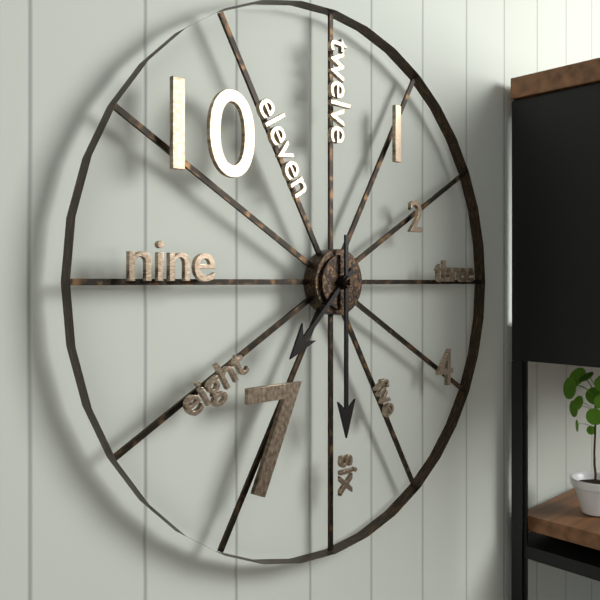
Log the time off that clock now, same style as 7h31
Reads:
7h30
